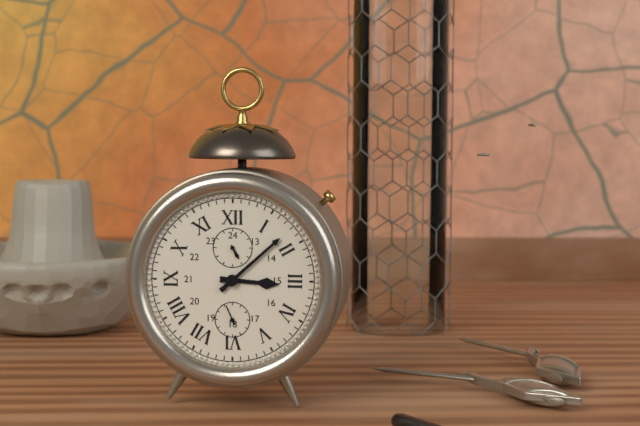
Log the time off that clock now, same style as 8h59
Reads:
3h08
